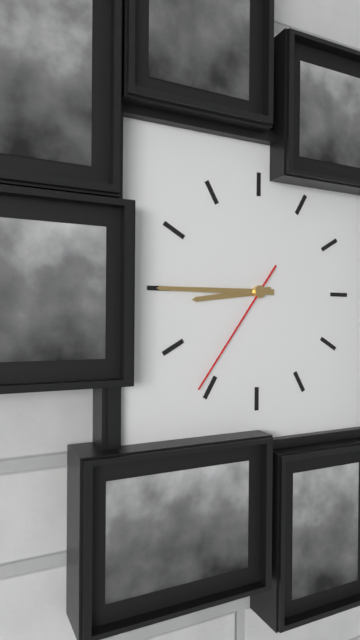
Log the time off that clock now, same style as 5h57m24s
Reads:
8h45m36s
